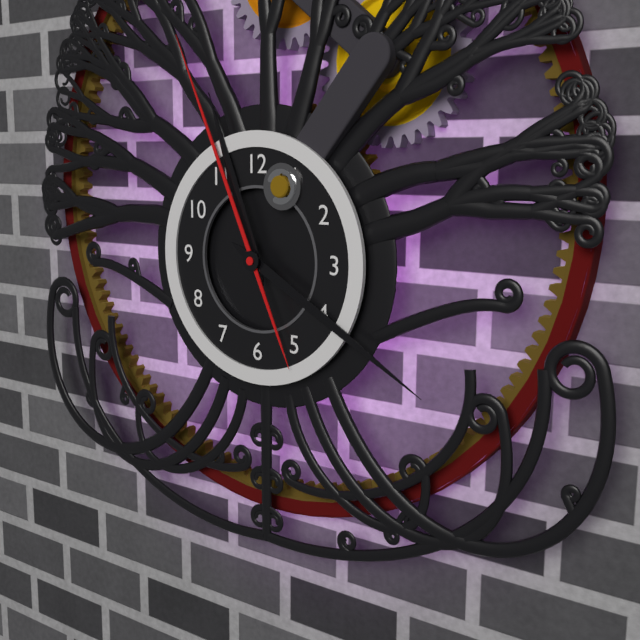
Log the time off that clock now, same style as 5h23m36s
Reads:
11h20m56s
